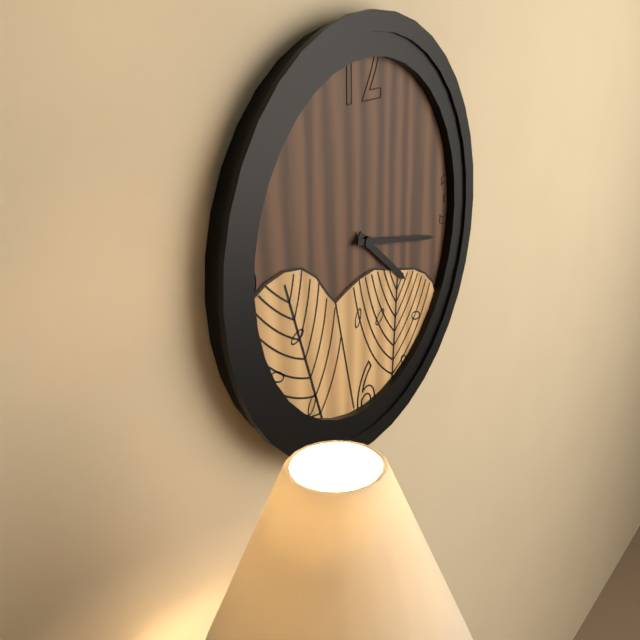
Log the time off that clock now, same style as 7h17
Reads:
4h17
